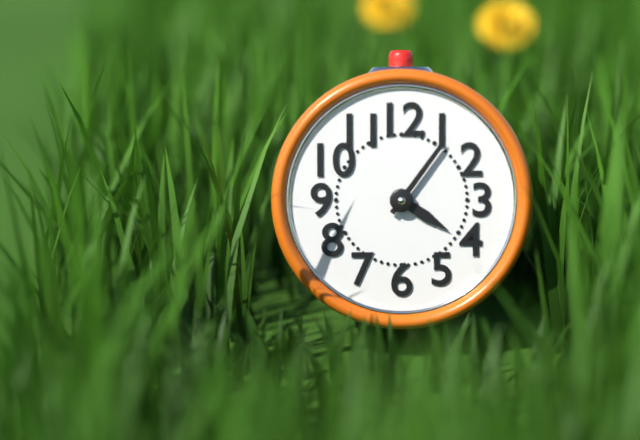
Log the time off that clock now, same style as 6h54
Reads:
4h06
